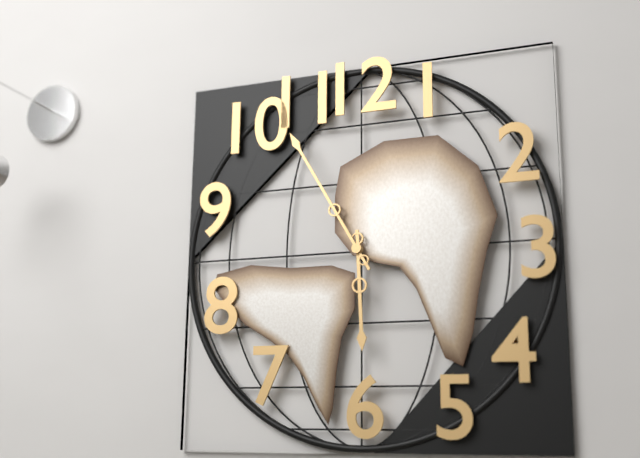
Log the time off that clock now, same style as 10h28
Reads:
5h55
